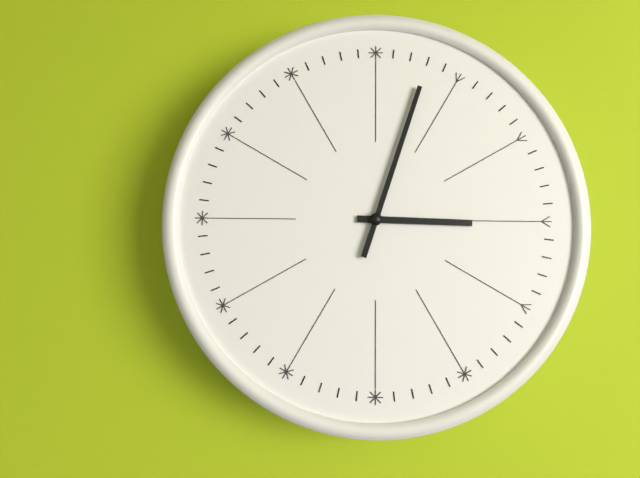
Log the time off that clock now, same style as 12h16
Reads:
3h03
